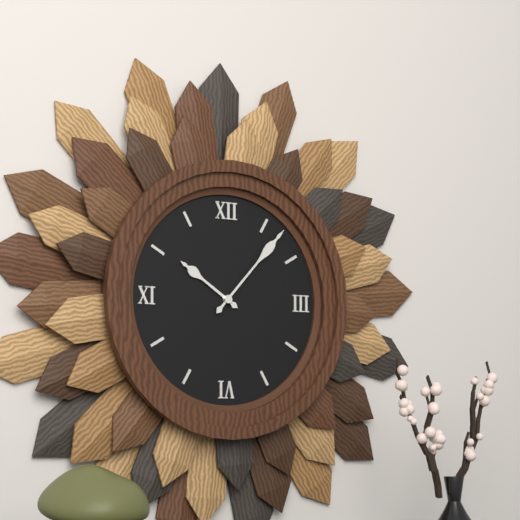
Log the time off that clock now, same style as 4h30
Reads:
10h07
